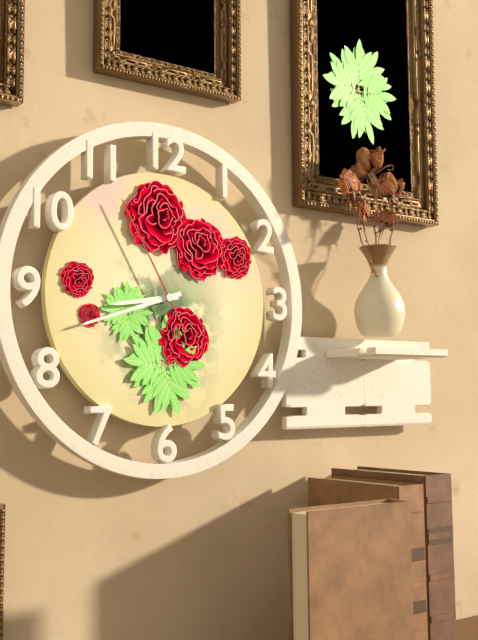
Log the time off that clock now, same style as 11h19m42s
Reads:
8h42m55s
